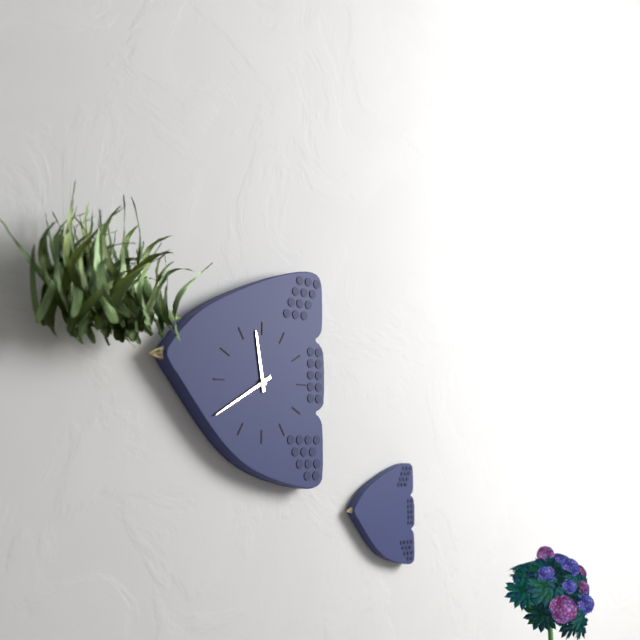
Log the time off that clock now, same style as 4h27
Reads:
11h40
